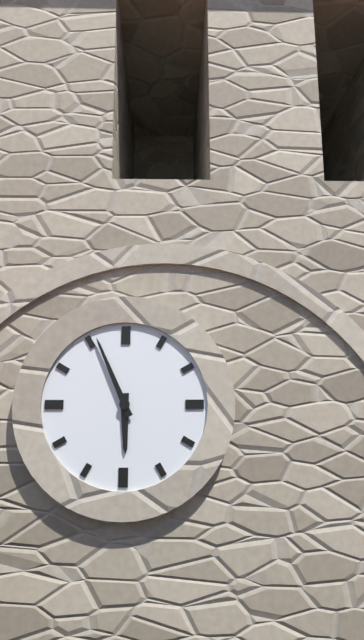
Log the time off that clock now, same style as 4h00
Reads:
5h56
